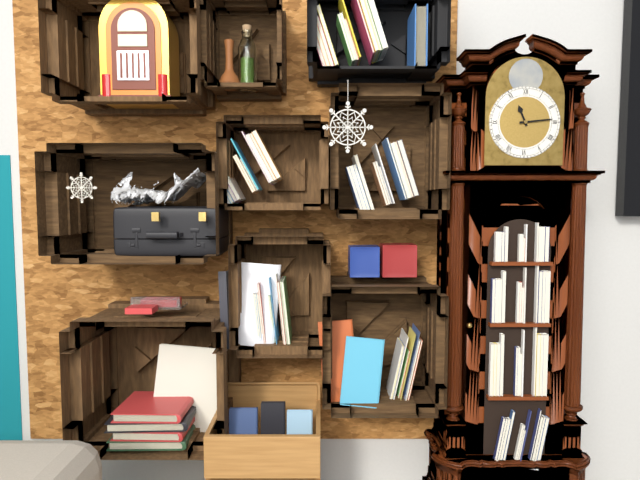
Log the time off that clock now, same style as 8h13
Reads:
11h14
